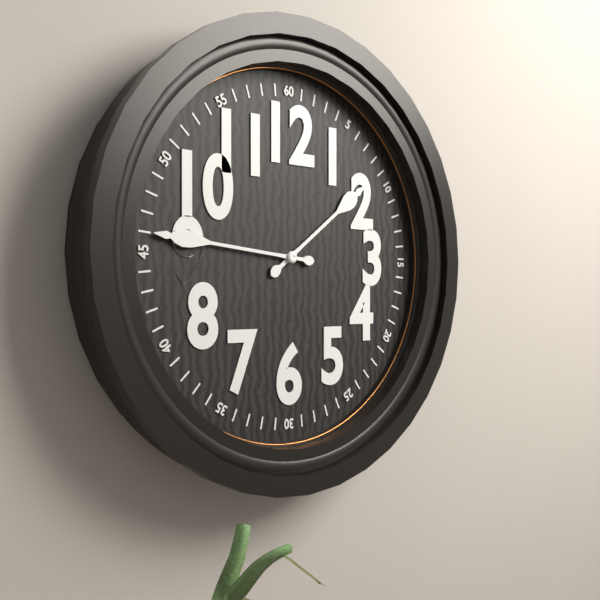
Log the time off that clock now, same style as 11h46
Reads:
1h46
